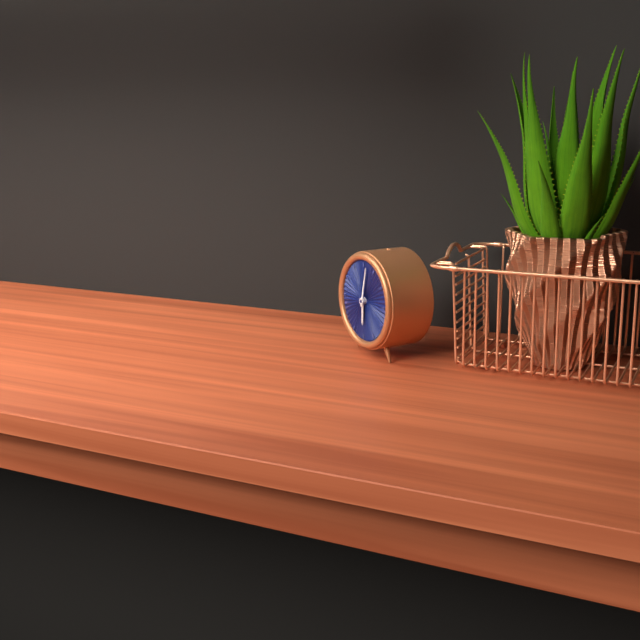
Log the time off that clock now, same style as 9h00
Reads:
6h02
